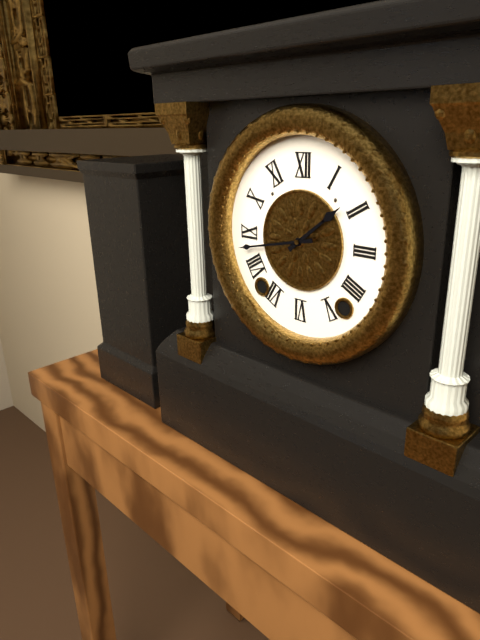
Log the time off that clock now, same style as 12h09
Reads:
1h43
